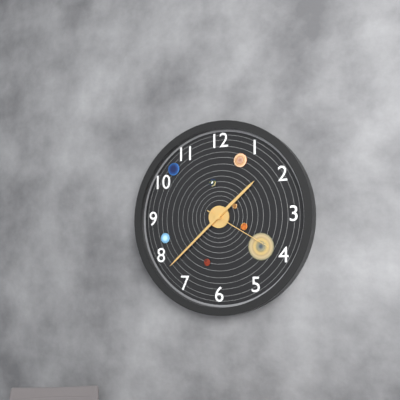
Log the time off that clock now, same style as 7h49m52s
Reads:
1h38m20s
